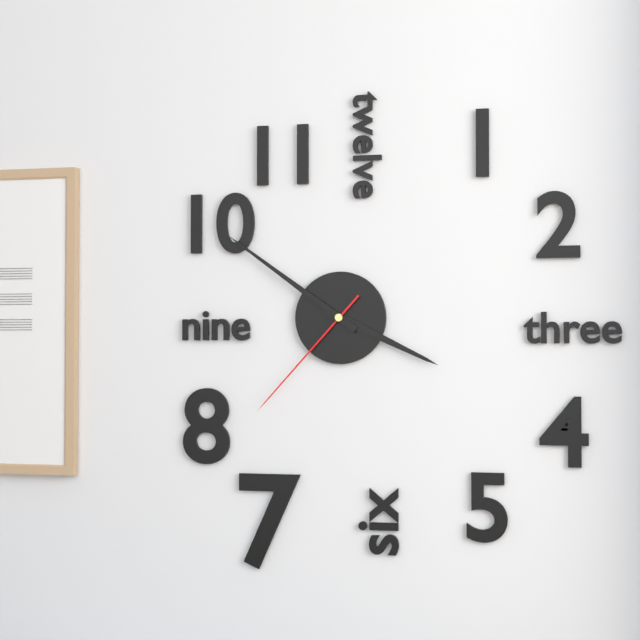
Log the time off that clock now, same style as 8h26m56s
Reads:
3h51m37s
